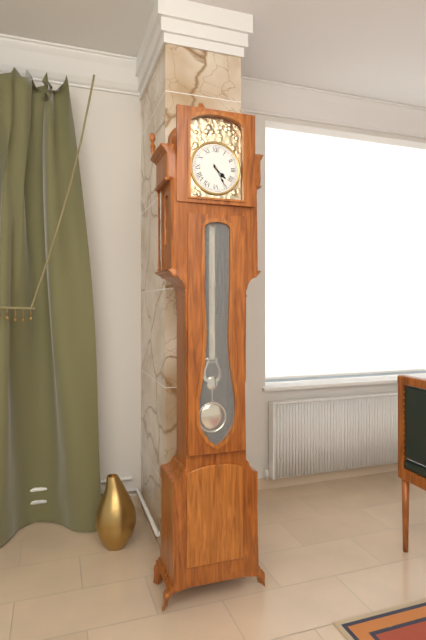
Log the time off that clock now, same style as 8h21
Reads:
4h25
